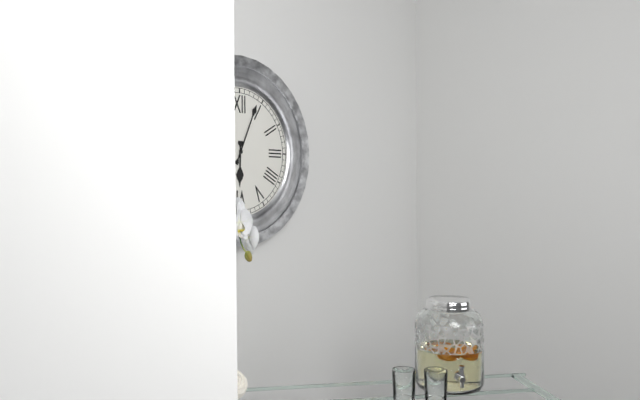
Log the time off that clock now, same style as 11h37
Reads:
6h04
